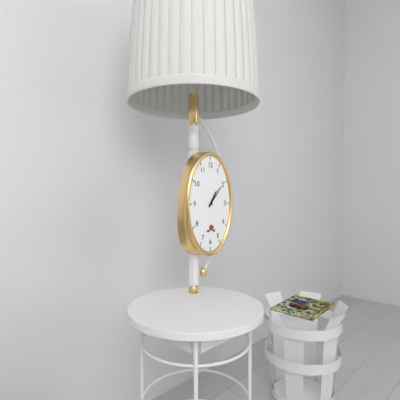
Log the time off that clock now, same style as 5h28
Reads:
1h07
